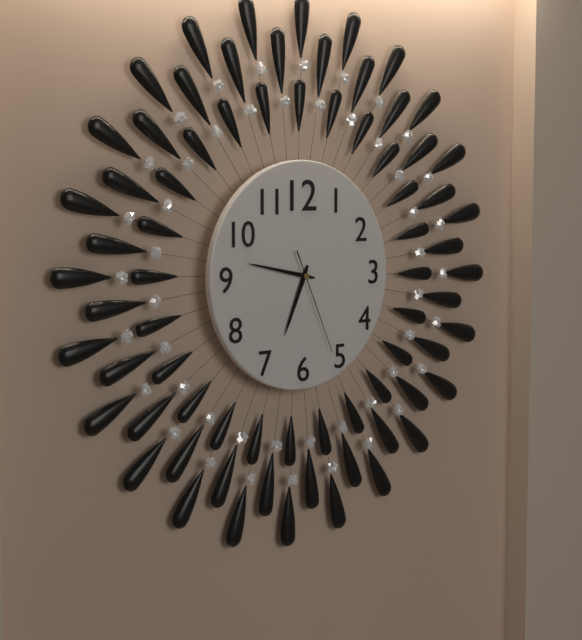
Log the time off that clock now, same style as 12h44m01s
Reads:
6h47m26s
